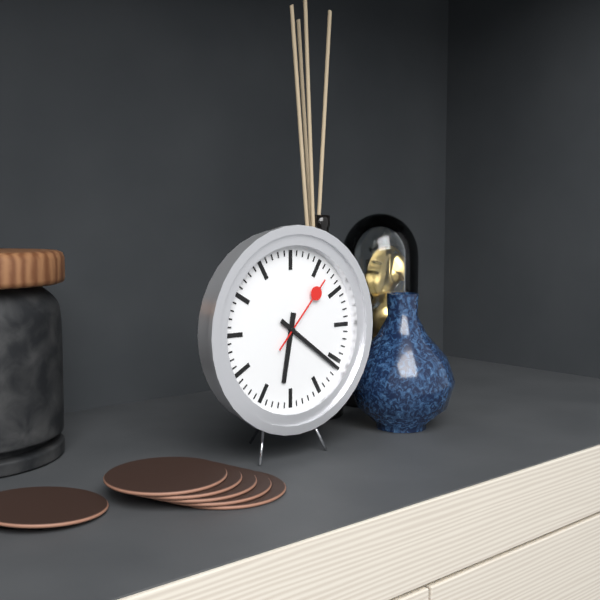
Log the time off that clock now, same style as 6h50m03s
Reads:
6h21m07s
